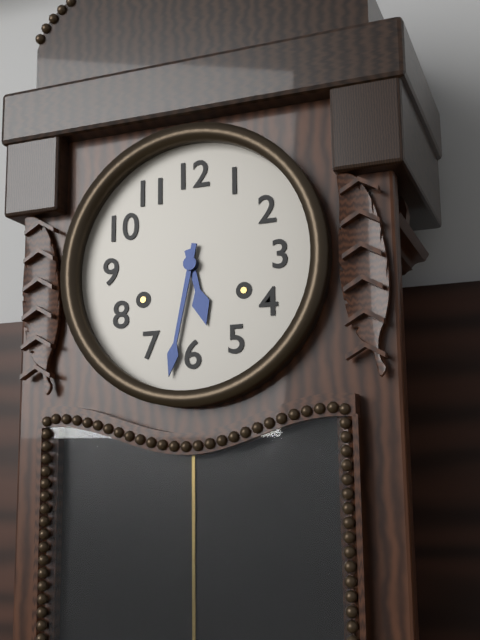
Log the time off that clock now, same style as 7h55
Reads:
5h32
